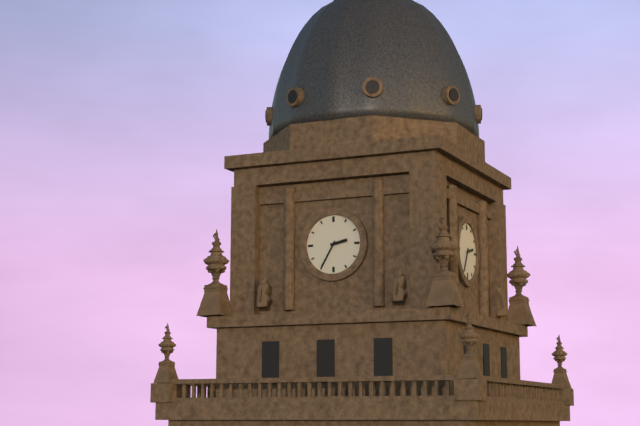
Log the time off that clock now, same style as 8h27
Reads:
2h35
